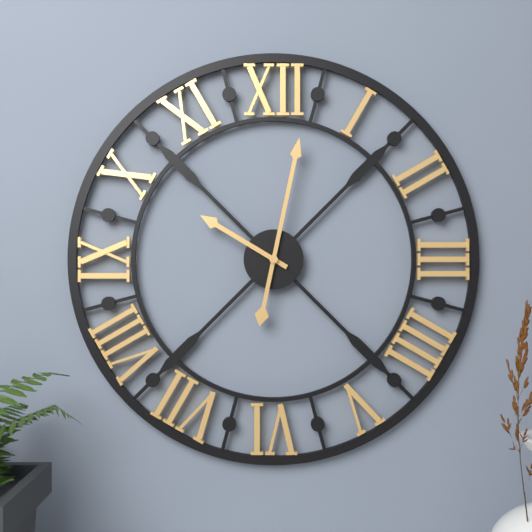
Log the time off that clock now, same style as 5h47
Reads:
10h02
